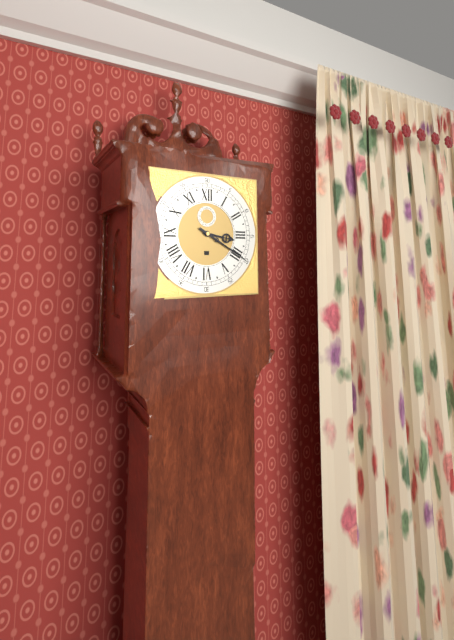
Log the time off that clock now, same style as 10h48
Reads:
3h20
